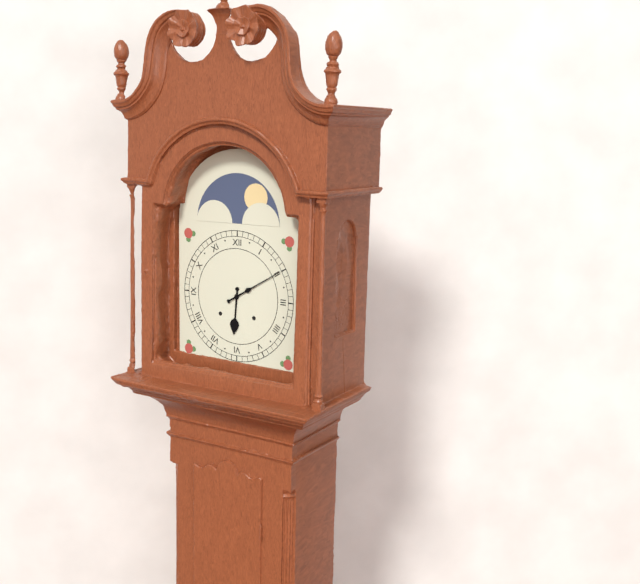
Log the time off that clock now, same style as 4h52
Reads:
6h10
